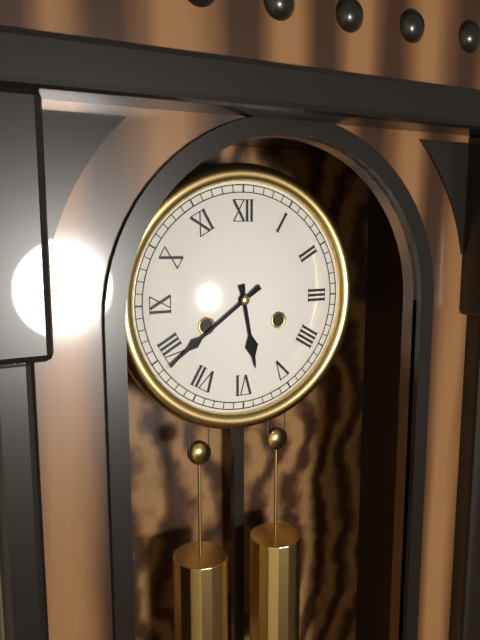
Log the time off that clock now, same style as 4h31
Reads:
5h39
